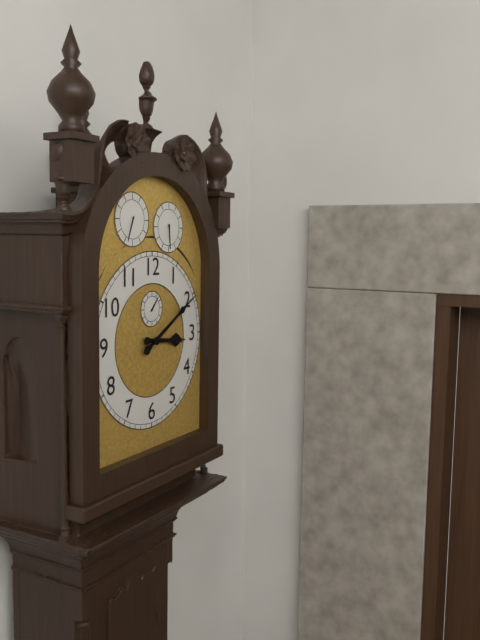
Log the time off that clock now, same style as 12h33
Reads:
3h10
